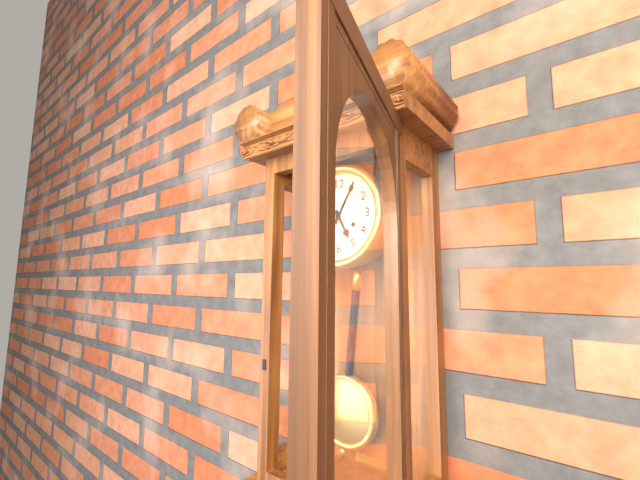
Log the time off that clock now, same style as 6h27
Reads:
5h05
